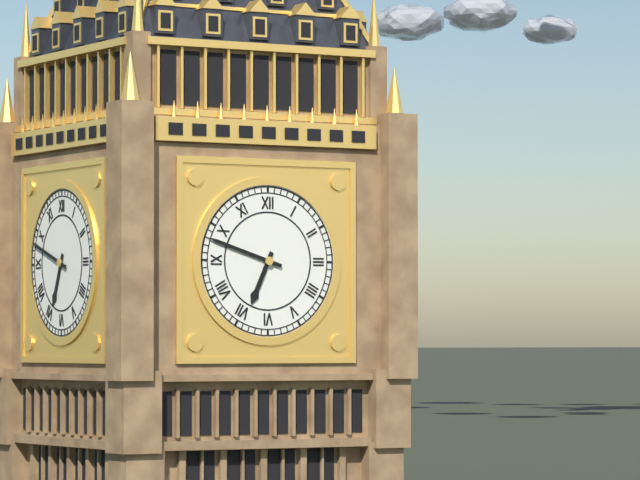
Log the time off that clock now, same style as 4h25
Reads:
6h48
